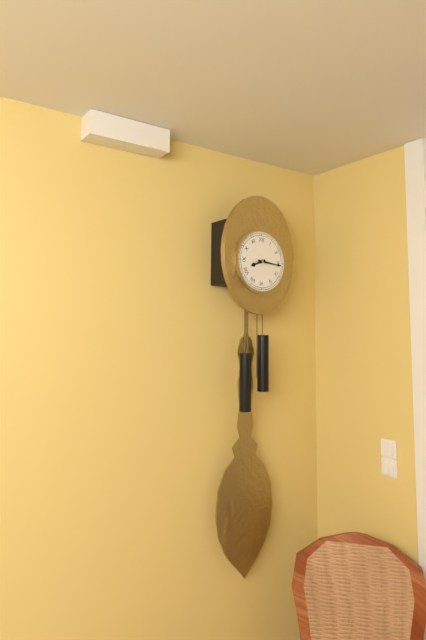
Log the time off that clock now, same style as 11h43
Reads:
8h16
